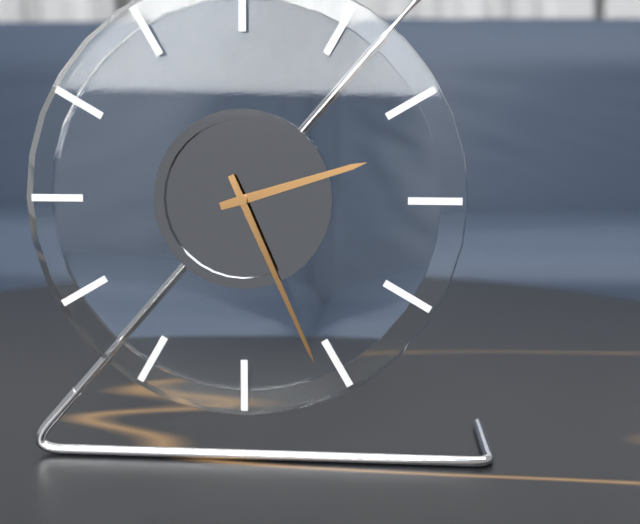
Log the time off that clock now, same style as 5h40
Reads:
2h26
